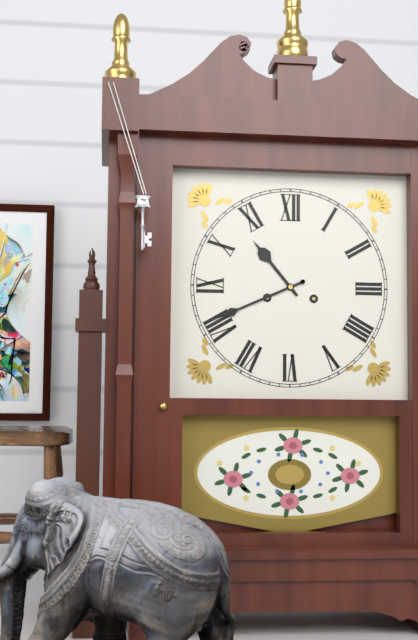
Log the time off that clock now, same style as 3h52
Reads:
10h41
